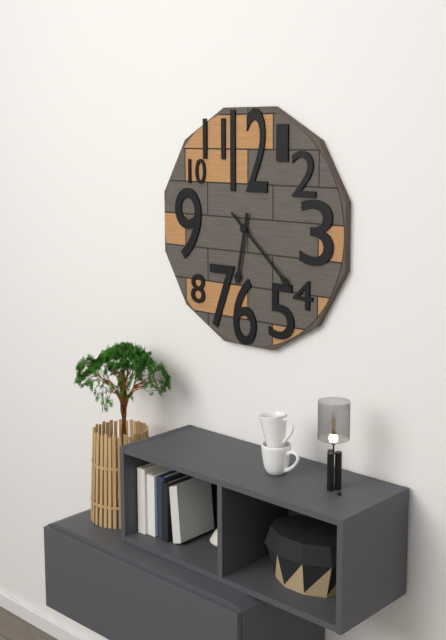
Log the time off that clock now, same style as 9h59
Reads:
6h22
